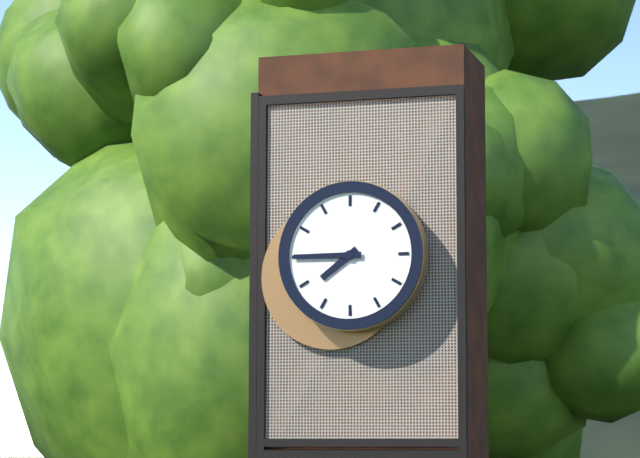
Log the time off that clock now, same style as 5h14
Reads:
7h45
